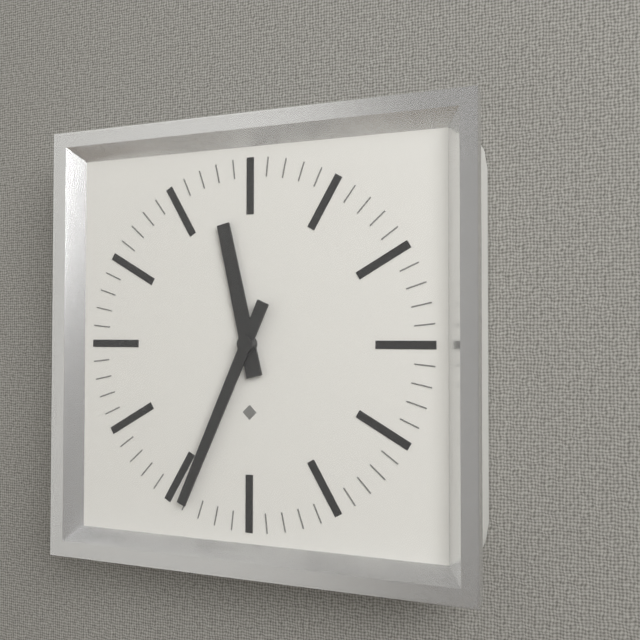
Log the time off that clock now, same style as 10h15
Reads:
11h34
